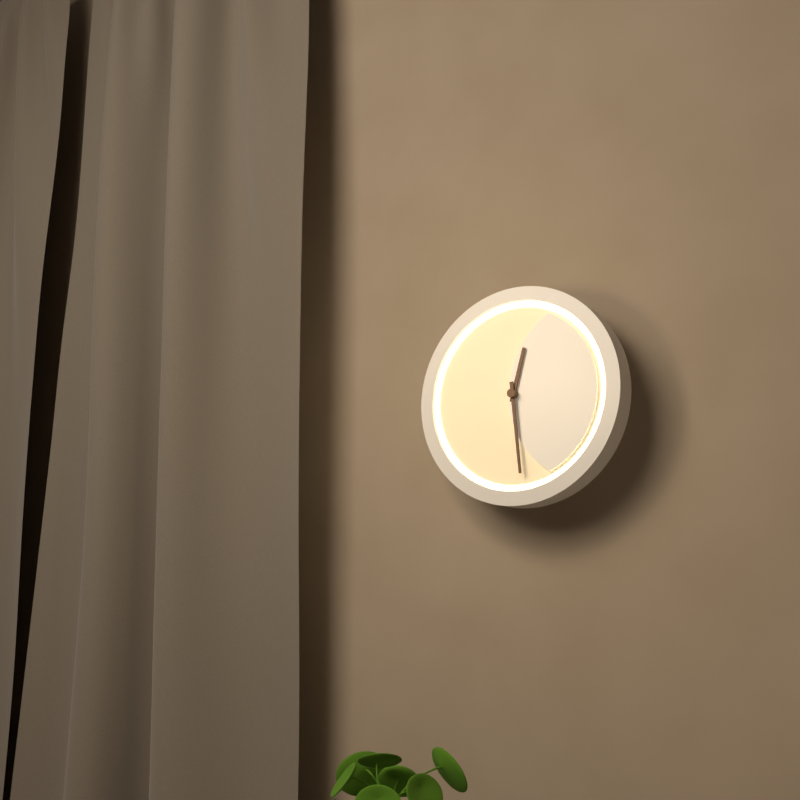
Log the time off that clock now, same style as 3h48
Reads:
12h29
